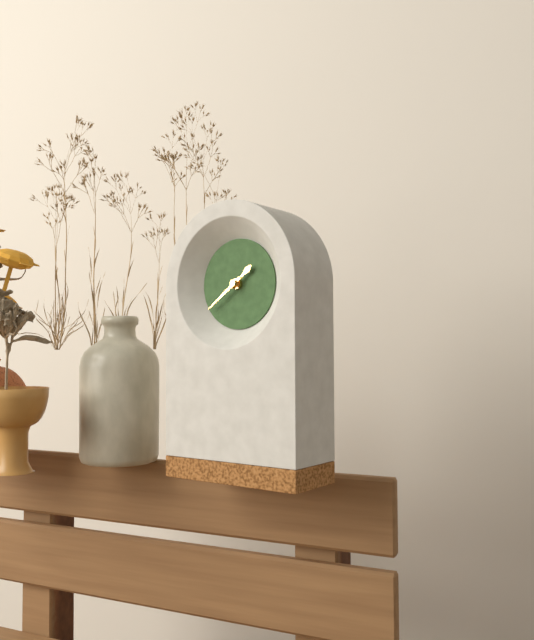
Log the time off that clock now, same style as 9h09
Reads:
1h39
